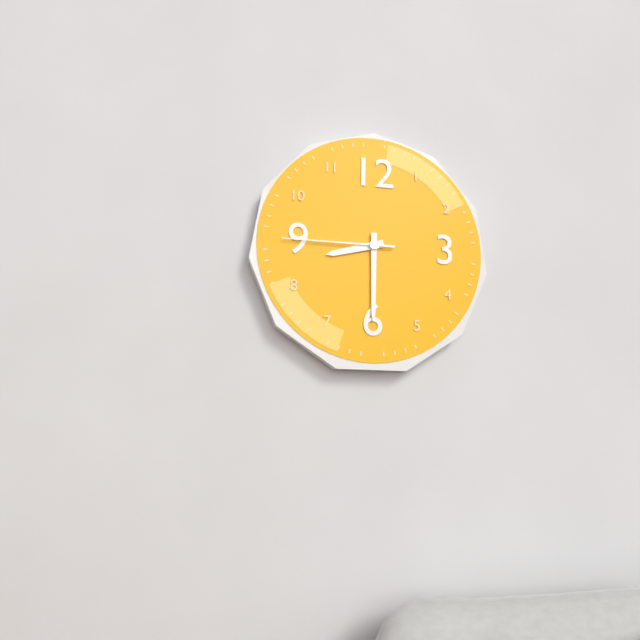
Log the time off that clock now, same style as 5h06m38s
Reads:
8h30m45s
